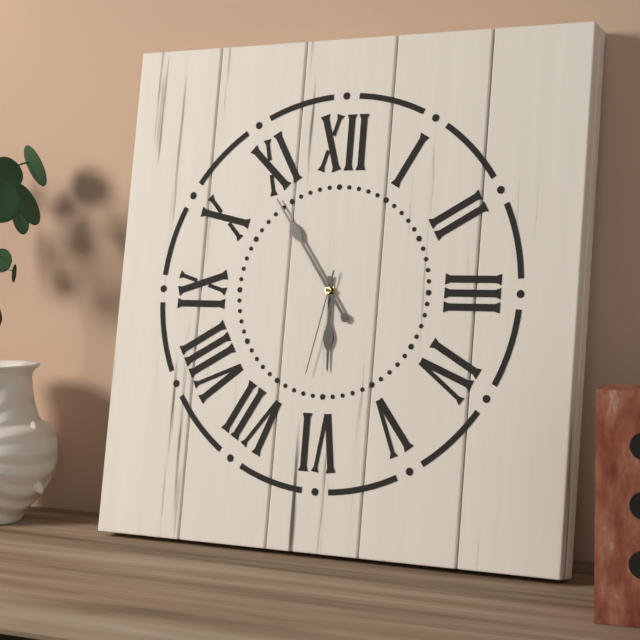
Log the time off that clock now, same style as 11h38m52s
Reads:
5h54m32s
